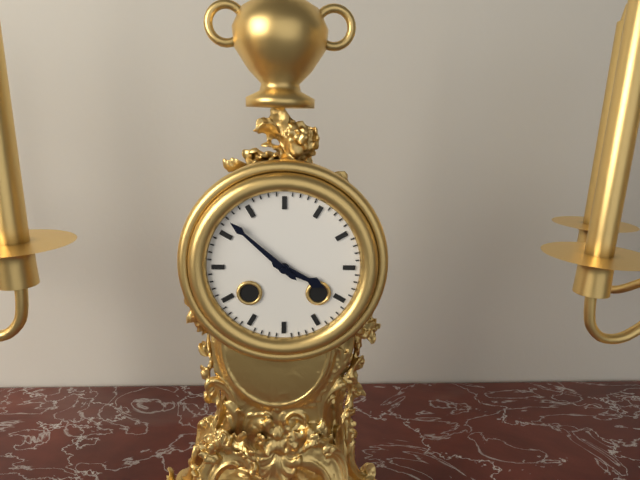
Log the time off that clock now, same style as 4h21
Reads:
3h52
